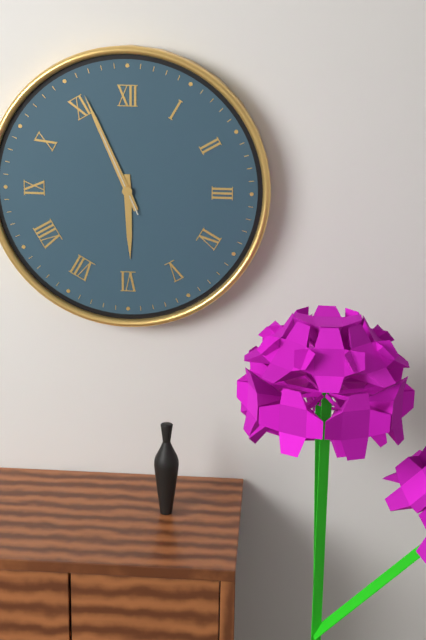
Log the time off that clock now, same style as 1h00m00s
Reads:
5h56m56s
